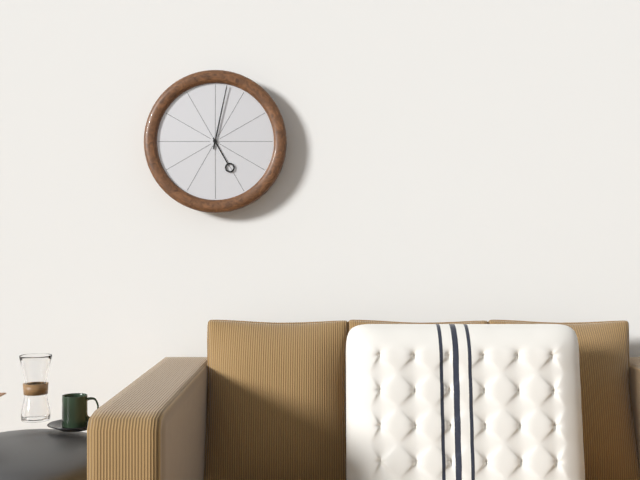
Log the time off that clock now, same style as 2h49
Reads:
5h02
